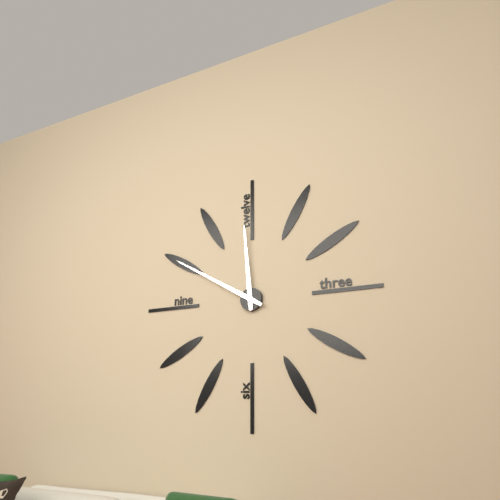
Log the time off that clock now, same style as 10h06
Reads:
11h50
